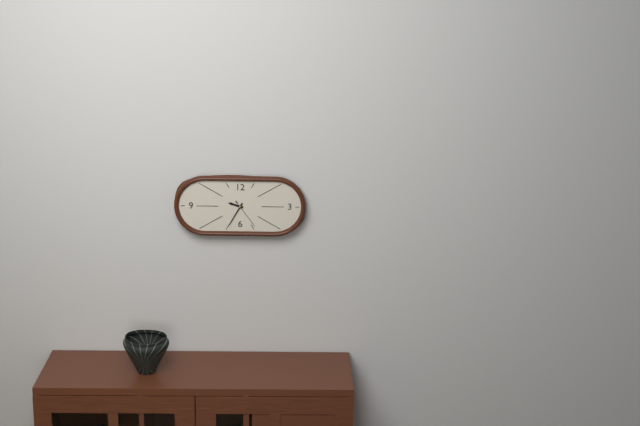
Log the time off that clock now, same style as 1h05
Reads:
9h35
